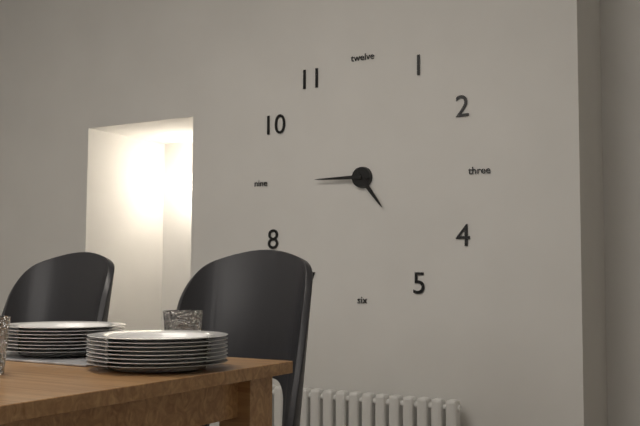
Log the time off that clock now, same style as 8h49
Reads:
4h45
